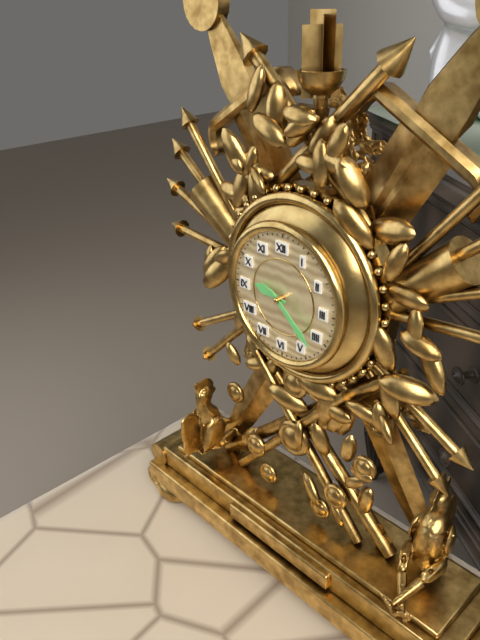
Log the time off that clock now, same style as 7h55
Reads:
9h22
